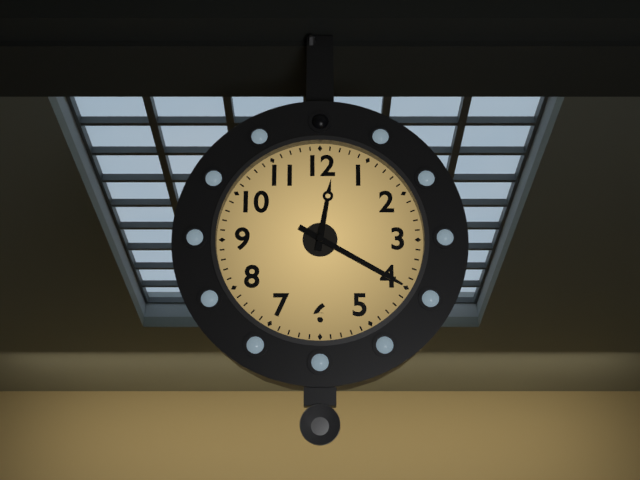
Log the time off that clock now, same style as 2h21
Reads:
12h20
